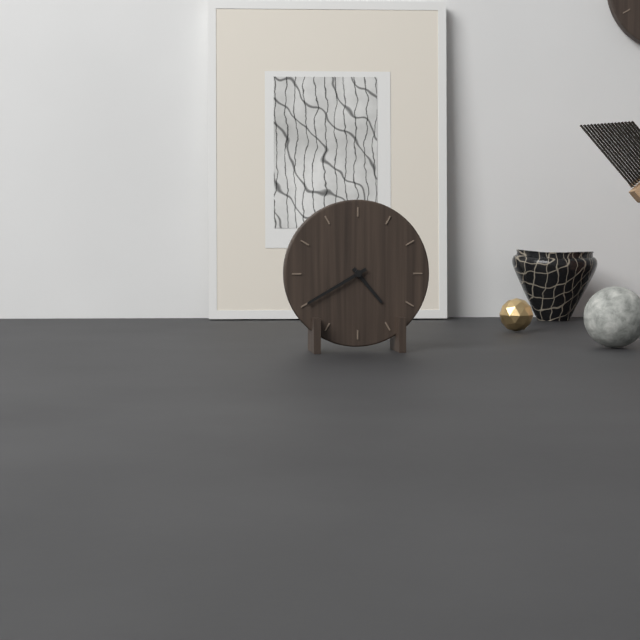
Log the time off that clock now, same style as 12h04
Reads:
4h40
